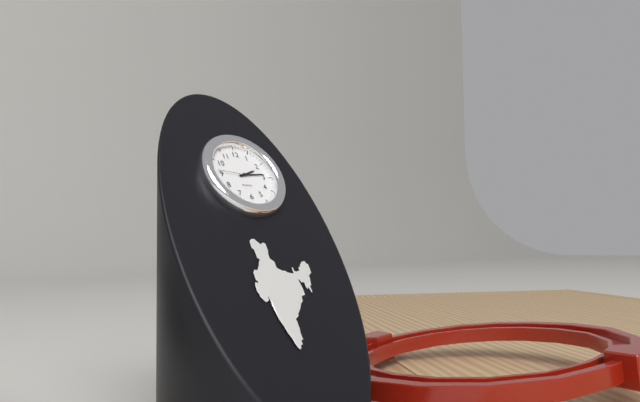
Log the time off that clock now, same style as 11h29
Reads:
2h14
